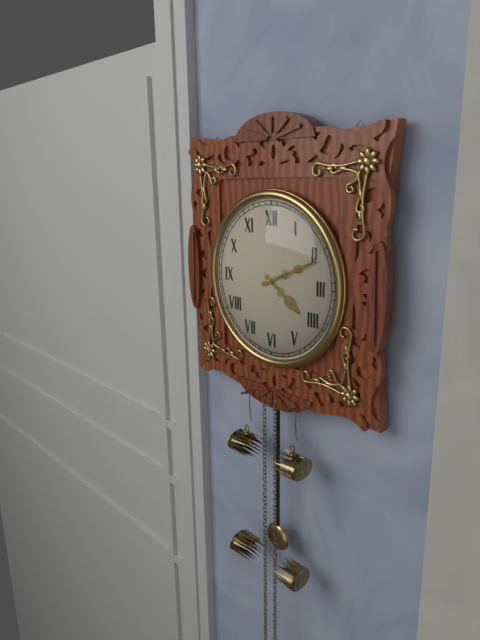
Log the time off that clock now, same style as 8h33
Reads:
4h11
